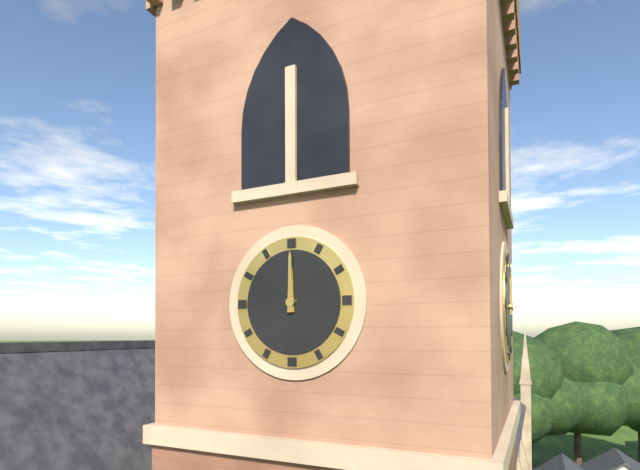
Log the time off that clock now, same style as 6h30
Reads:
12h00
